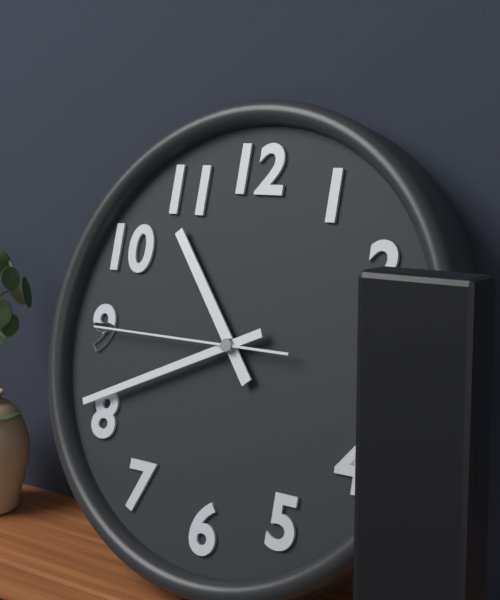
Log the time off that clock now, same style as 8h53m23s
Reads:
10h41m45s
